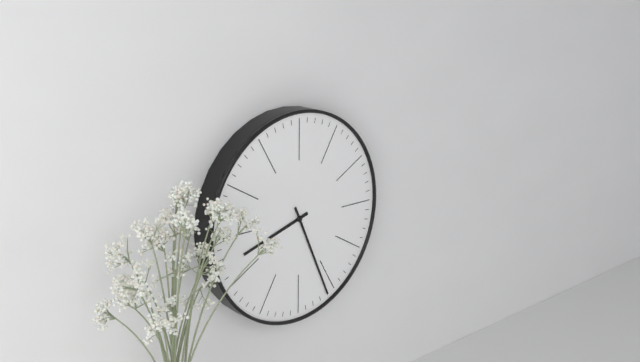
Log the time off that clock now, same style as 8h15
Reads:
8h26
